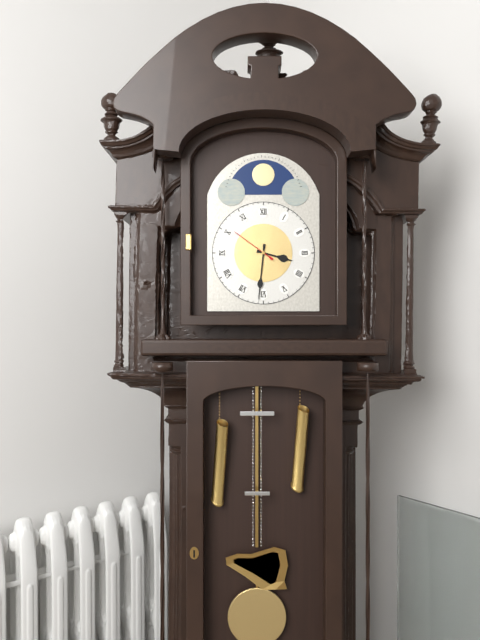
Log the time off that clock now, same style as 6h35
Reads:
3h31
